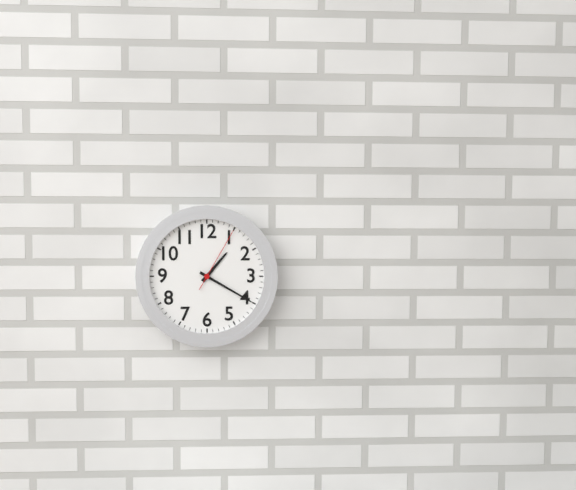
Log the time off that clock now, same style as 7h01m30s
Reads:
1h20m05s
